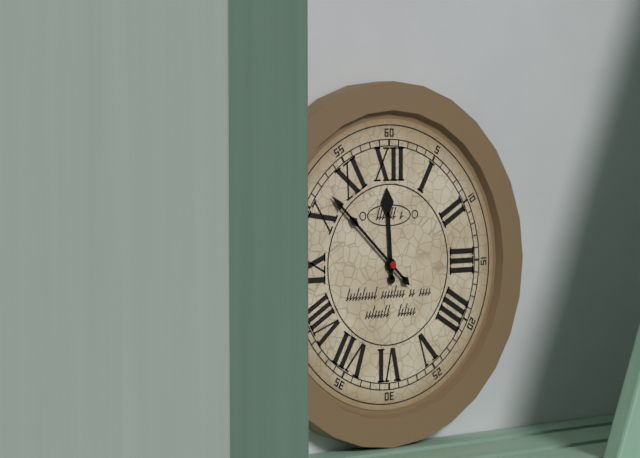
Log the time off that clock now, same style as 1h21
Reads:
11h52
